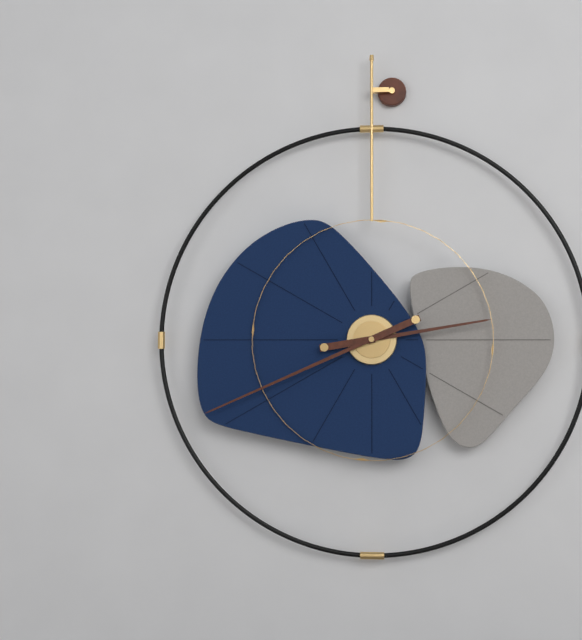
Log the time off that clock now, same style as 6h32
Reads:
2h41
